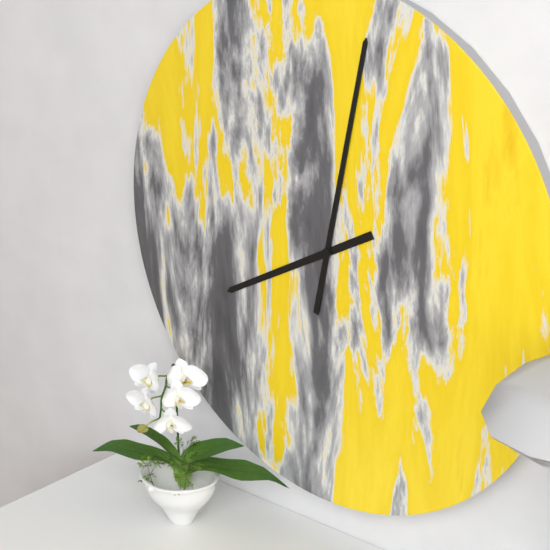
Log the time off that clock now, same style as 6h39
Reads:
8h02
